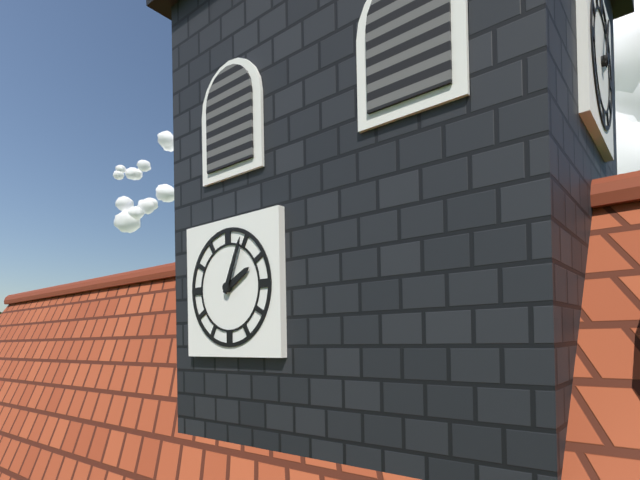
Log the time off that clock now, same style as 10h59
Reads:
2h04
